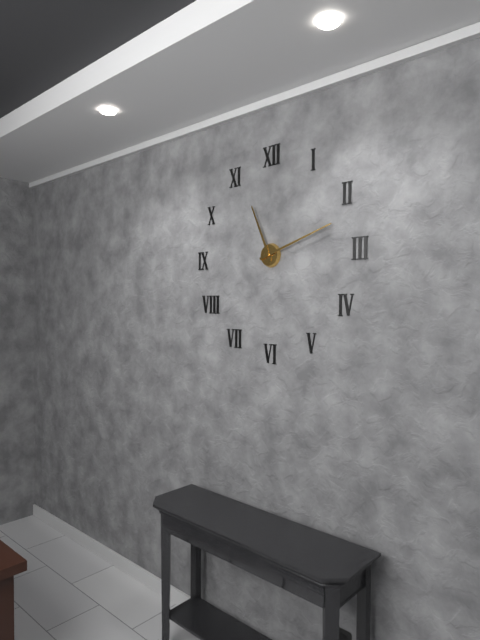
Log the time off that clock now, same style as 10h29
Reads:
11h12
